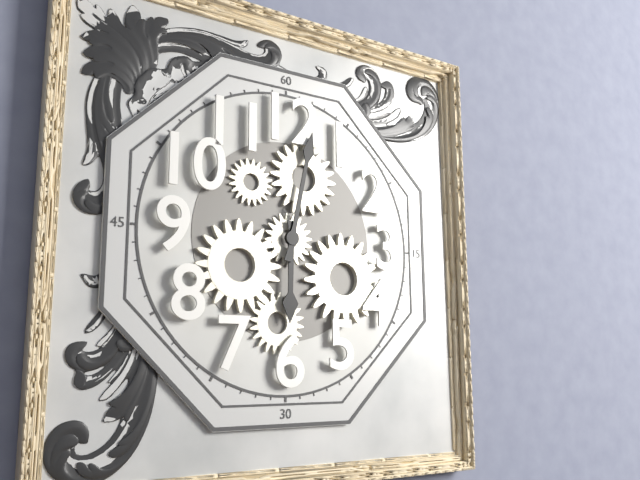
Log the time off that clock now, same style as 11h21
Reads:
6h02
